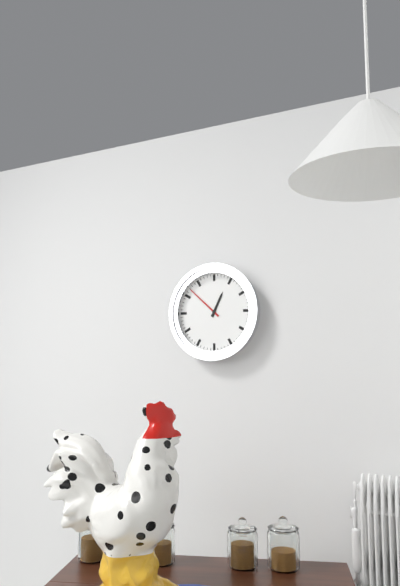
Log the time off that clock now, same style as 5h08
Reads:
12h52
